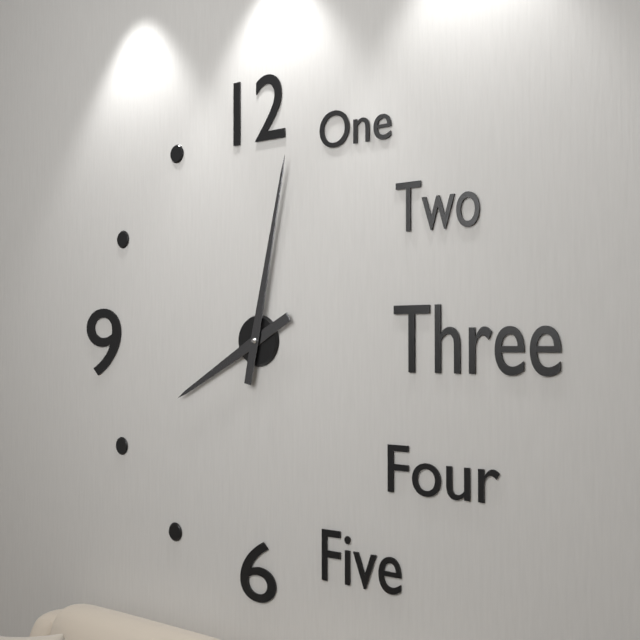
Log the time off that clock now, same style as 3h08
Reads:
8h02
